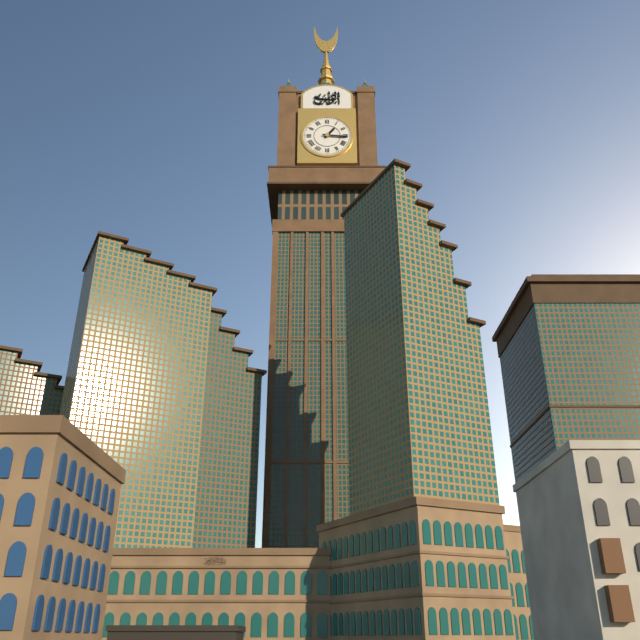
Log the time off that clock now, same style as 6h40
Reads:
1h16
